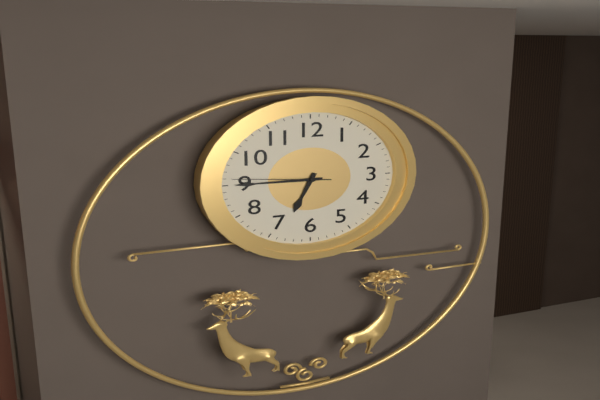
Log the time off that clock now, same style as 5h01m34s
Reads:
6h45m46s
